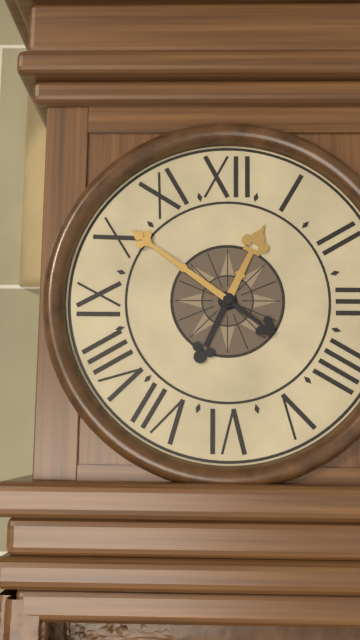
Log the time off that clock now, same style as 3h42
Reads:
12h51
